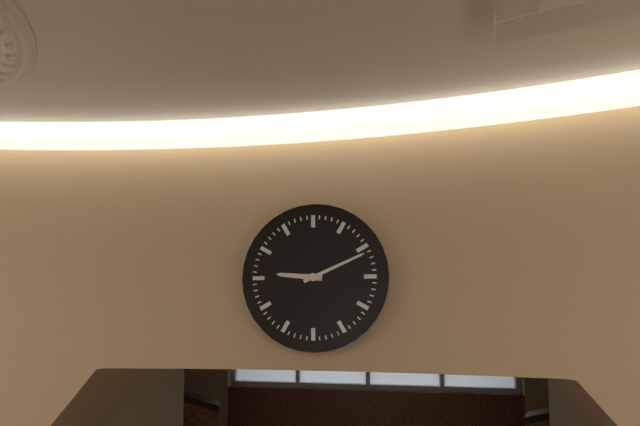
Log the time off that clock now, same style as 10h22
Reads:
9h11
